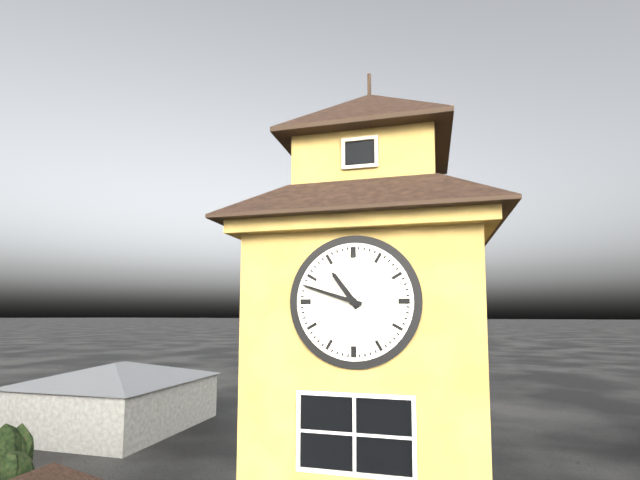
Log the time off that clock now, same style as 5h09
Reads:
10h48
